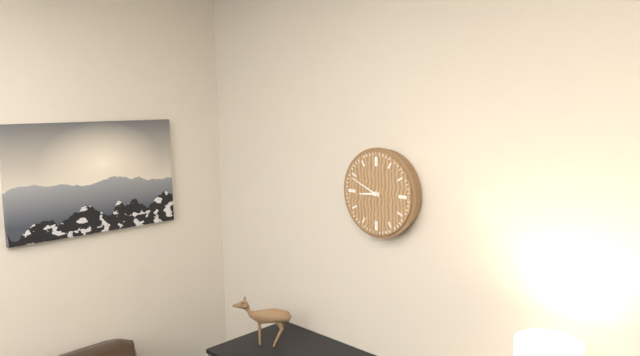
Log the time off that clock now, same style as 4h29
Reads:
8h49
